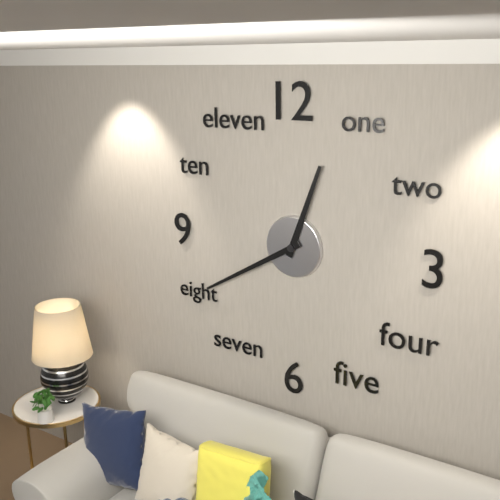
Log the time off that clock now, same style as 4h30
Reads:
12h40
